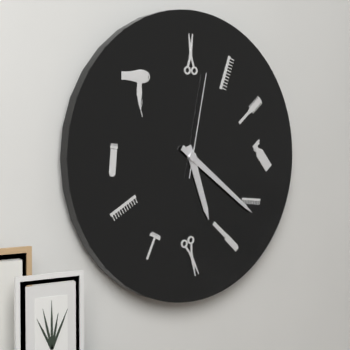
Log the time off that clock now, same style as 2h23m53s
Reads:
5h21m02s
